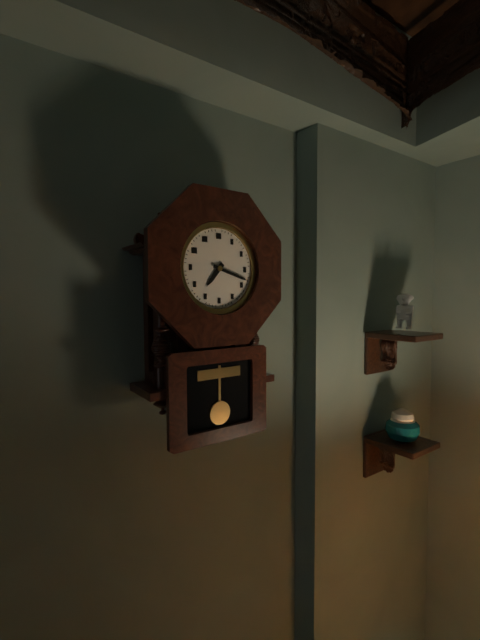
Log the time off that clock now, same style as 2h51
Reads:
7h18
